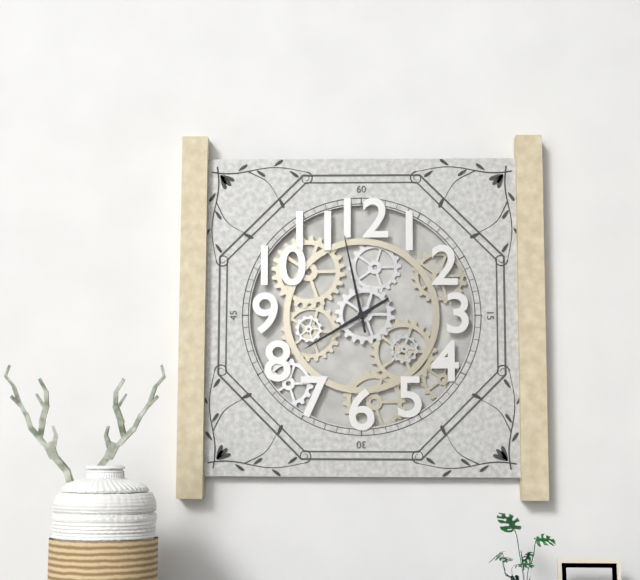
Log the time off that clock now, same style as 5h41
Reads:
7h58
